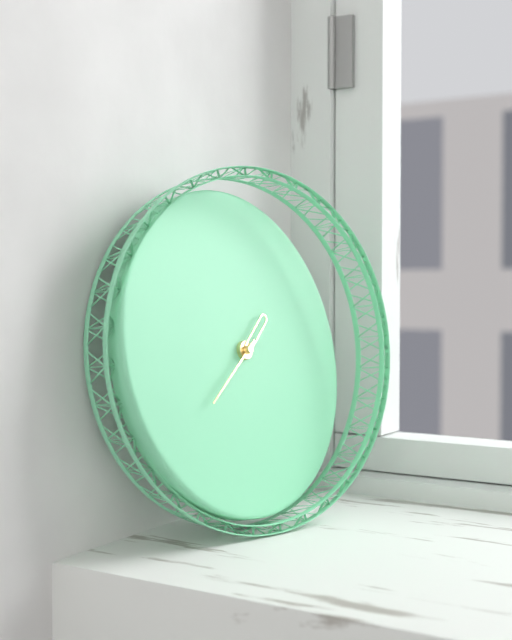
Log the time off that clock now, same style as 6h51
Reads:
1h39
